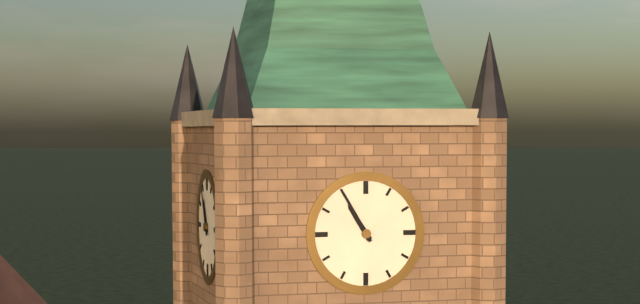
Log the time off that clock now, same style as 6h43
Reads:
10h55
